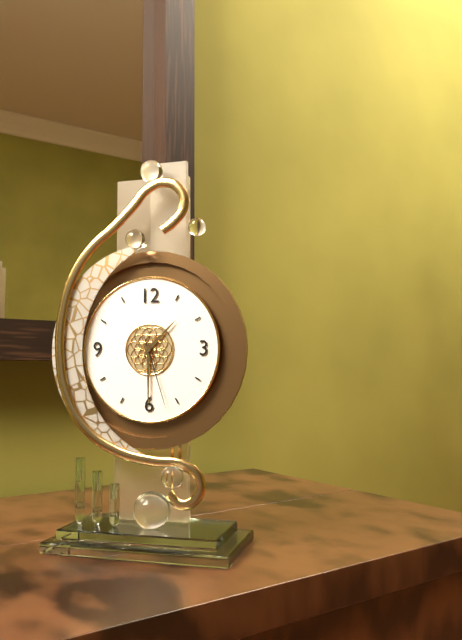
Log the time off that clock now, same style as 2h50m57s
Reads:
1h30m27s
